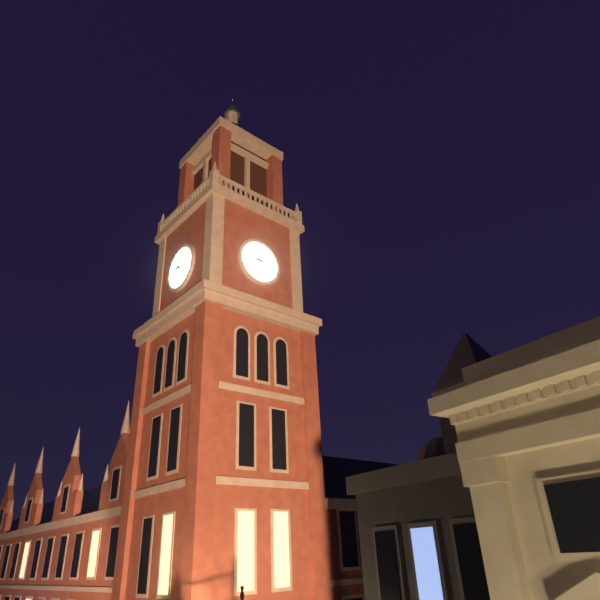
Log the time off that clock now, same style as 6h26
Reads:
9h21
